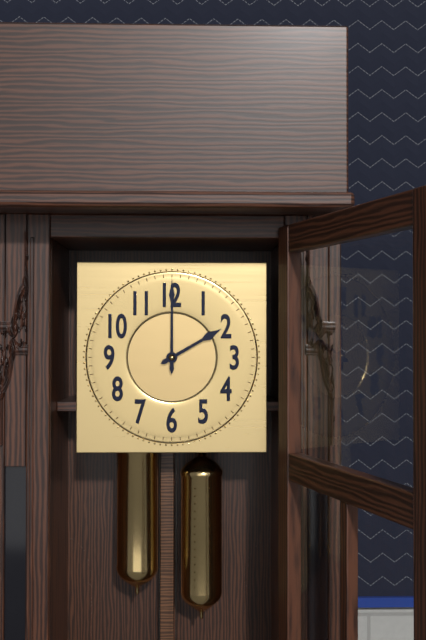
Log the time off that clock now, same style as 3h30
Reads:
2h00
